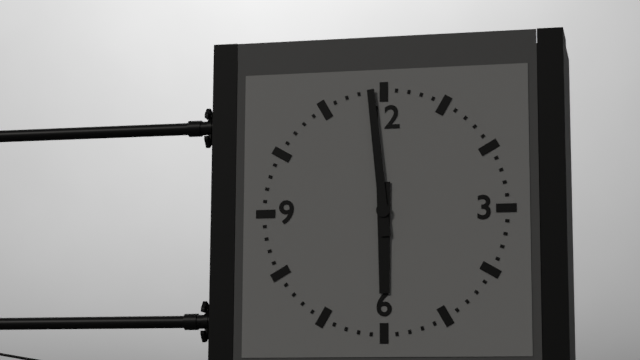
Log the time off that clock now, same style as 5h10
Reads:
5h59
